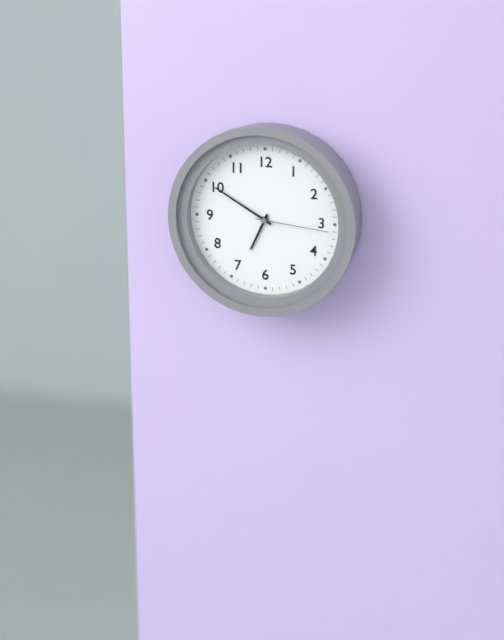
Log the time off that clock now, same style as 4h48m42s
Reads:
6h50m16s
